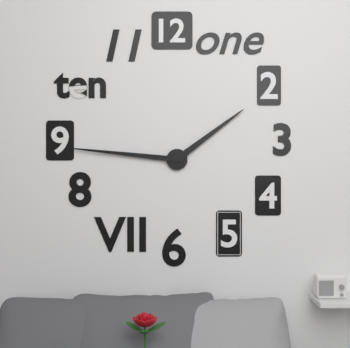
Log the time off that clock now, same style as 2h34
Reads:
1h46
